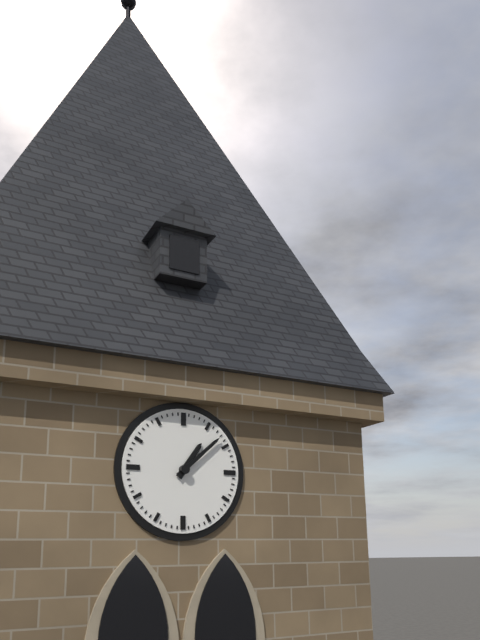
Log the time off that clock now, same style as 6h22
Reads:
1h08
